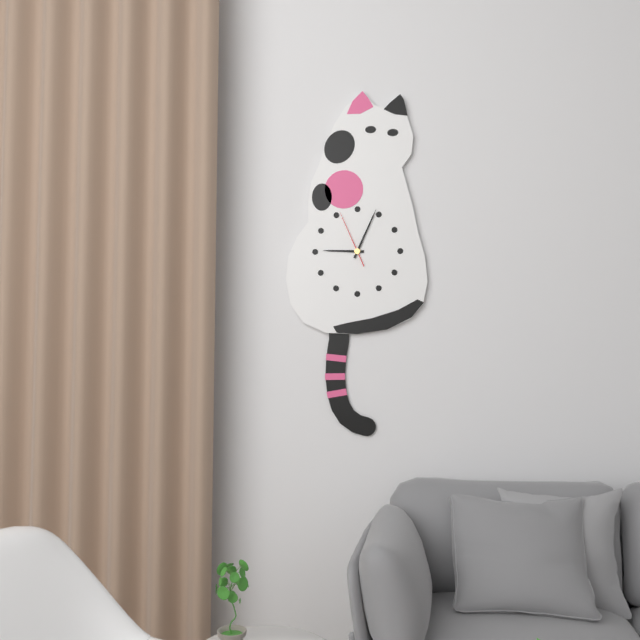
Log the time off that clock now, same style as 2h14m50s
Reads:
9h04m56s
